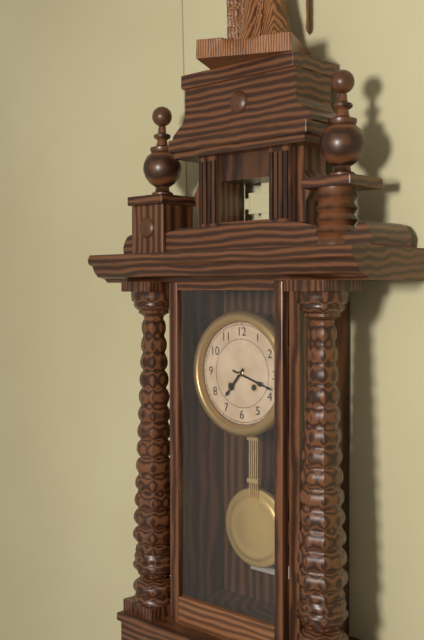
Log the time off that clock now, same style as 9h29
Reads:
7h18
